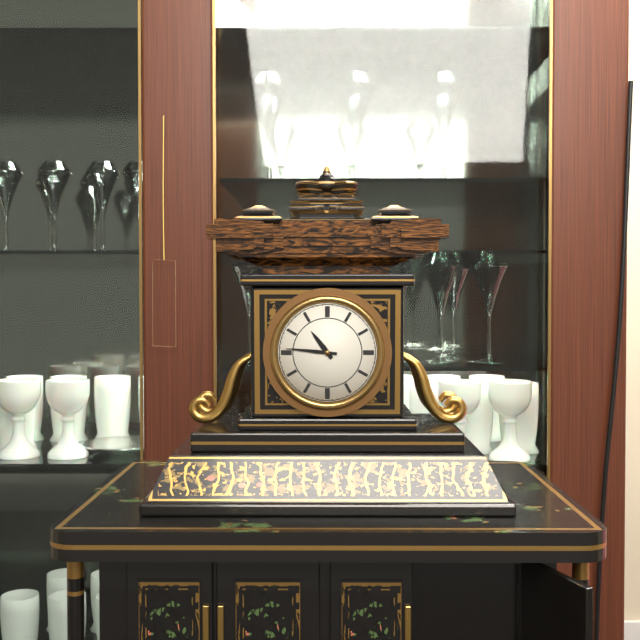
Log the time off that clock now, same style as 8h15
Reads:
10h46
